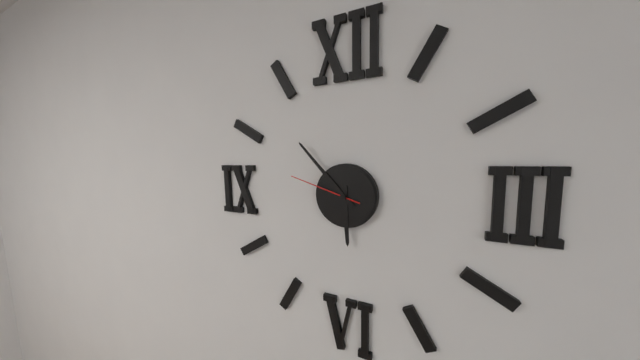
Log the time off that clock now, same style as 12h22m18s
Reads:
5h53m48s
